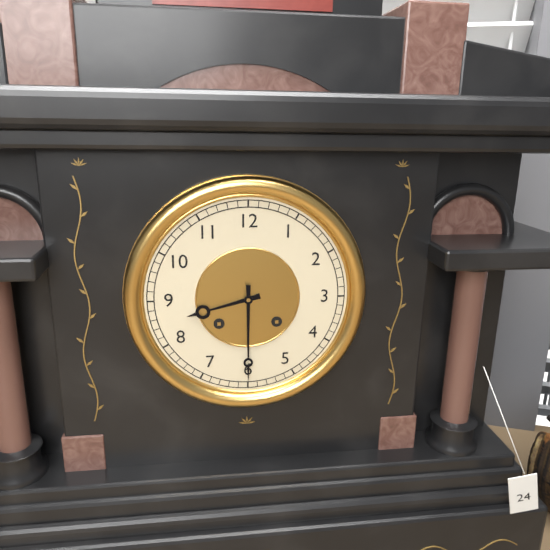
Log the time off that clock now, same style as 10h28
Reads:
8h30
